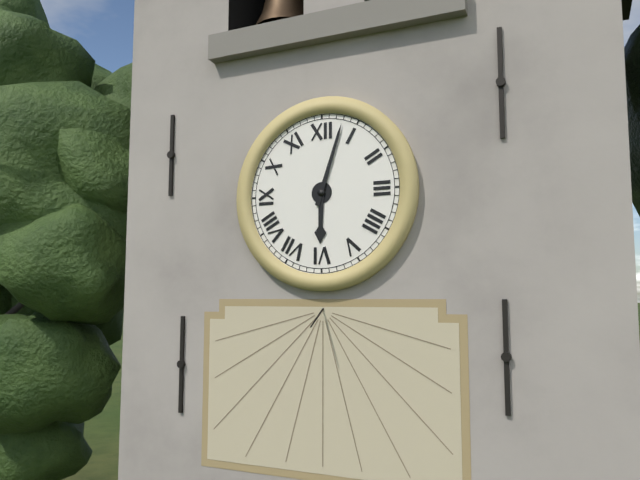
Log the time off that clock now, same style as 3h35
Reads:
6h03
